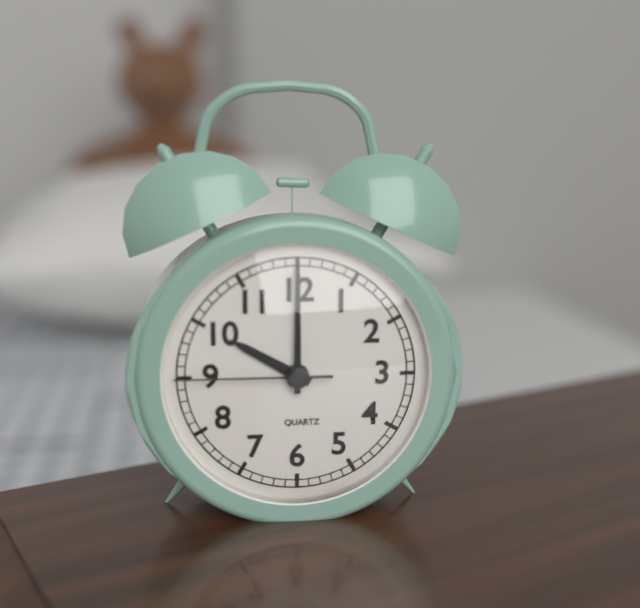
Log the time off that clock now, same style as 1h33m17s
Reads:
10h00m45s
